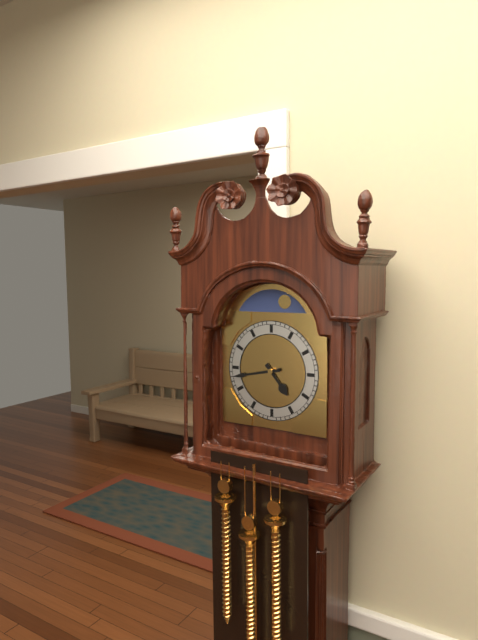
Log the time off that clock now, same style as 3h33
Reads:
4h43
